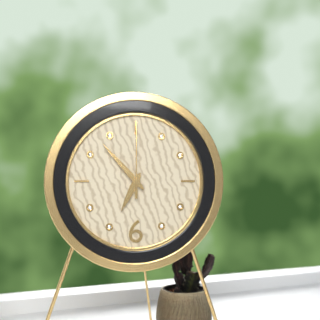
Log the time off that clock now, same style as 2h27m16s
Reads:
6h53m00s
